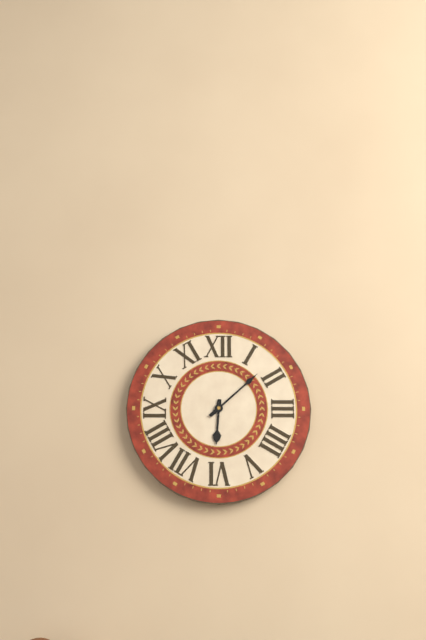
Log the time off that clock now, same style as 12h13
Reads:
6h08
